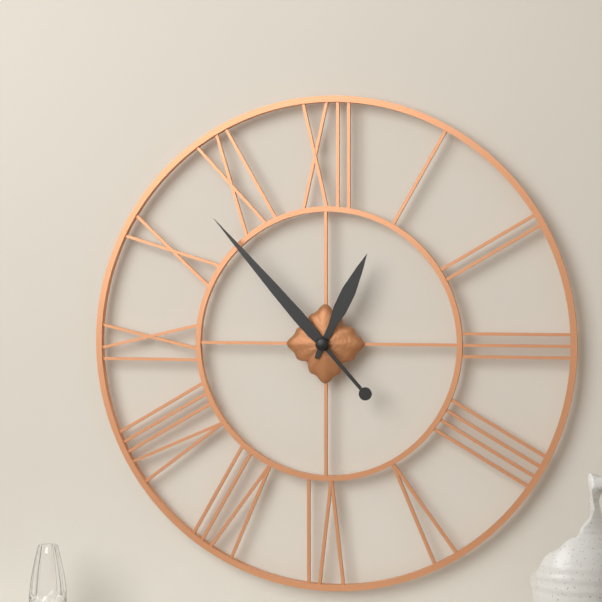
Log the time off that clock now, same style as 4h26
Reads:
12h53
